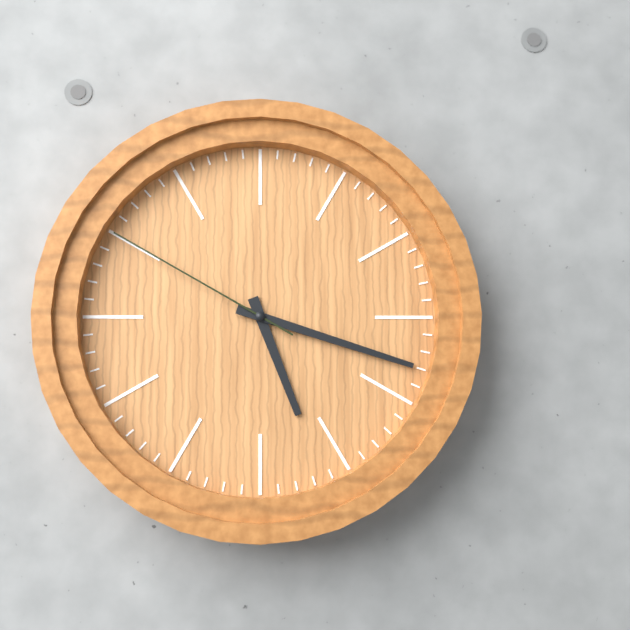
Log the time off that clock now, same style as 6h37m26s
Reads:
5h18m50s
